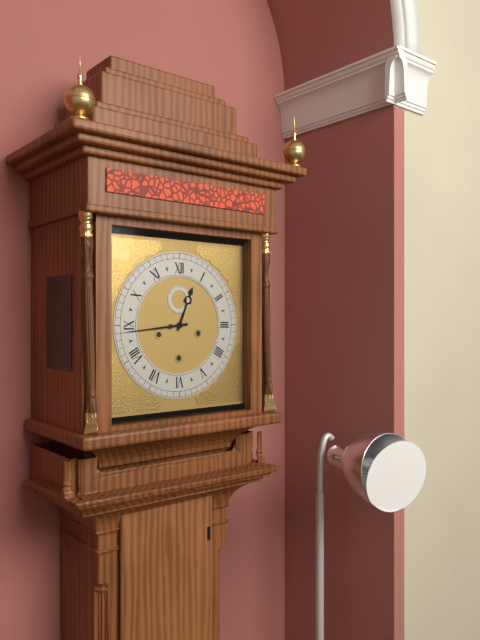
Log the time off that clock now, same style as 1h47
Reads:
12h44
